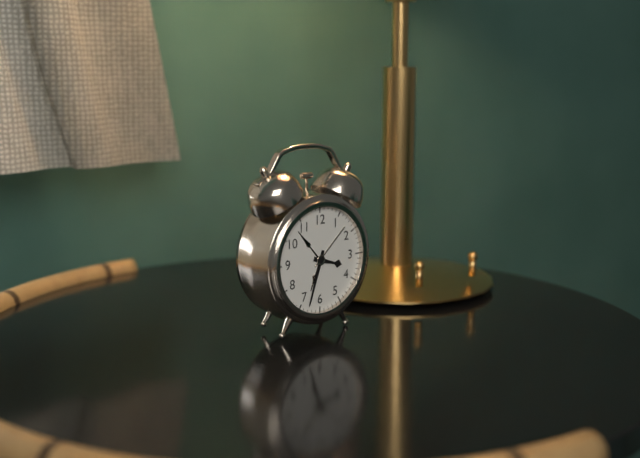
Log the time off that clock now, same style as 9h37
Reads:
3h33
